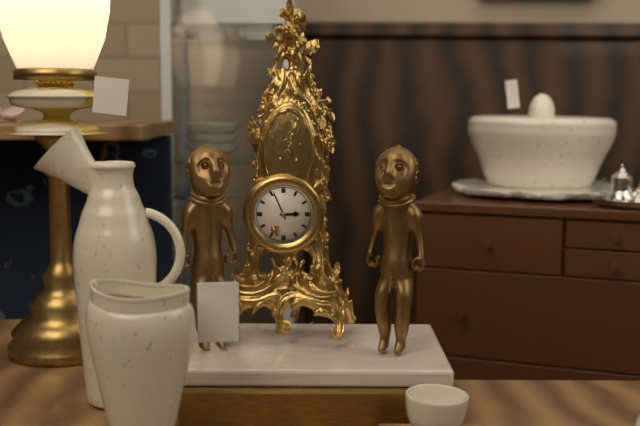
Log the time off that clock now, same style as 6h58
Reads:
2h56
